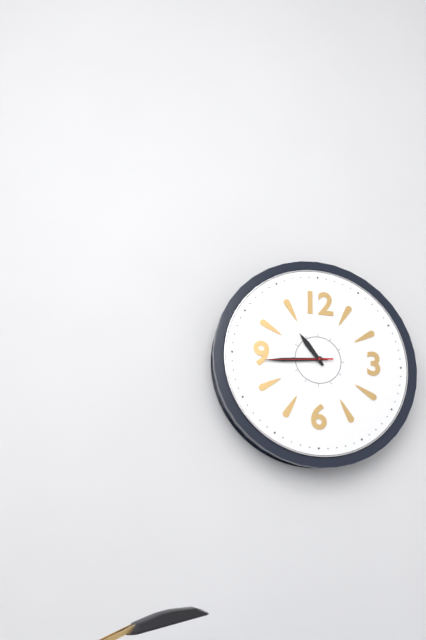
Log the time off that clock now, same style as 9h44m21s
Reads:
10h44m44s
